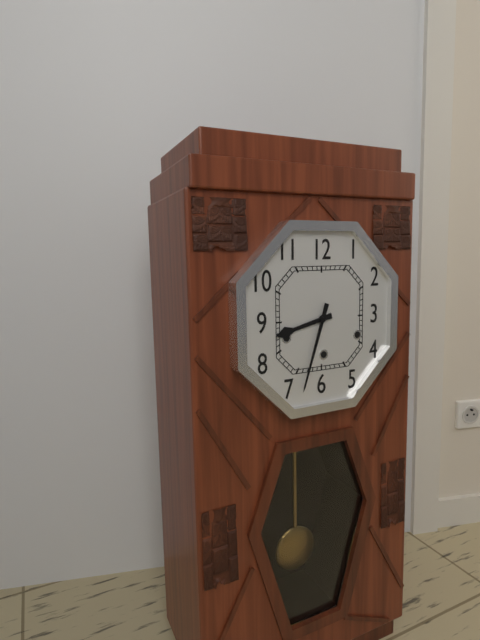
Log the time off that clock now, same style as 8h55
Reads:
8h33
